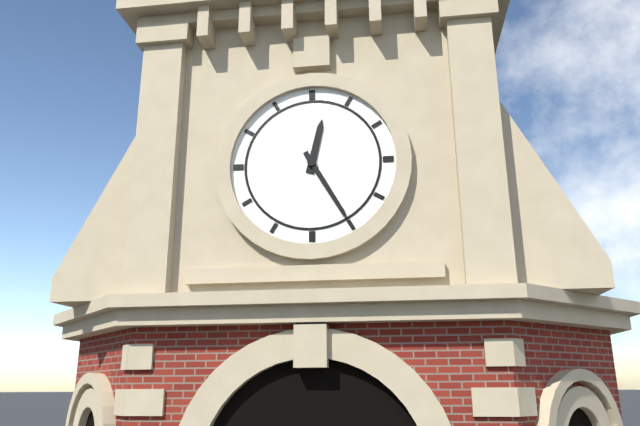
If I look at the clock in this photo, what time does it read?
12:25
